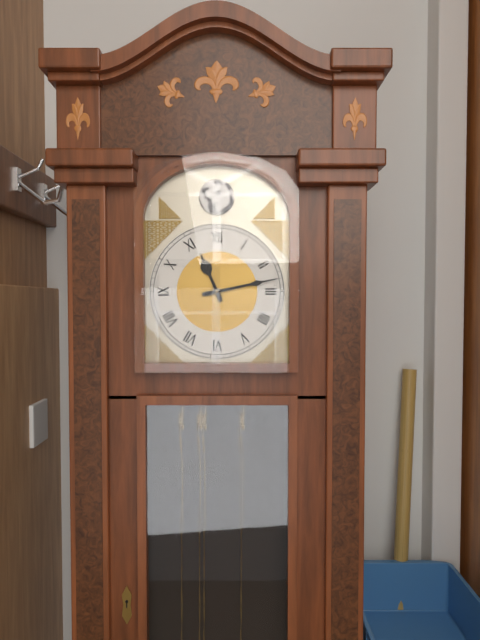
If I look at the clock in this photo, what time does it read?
11:13
